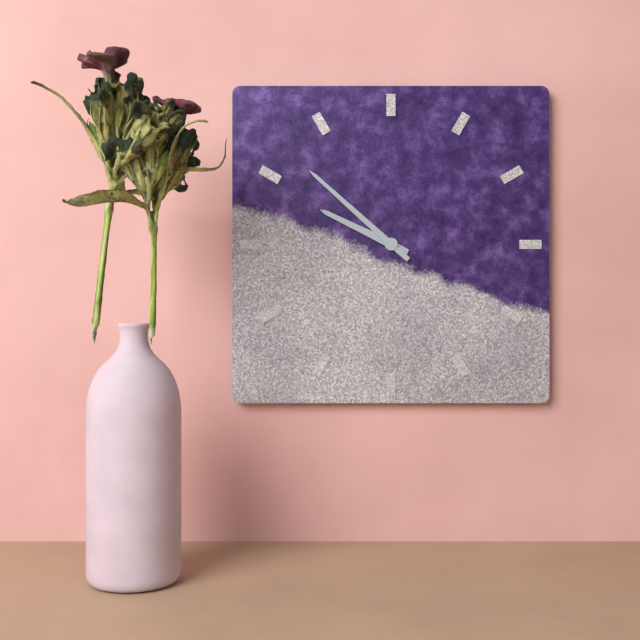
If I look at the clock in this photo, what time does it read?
9:52
